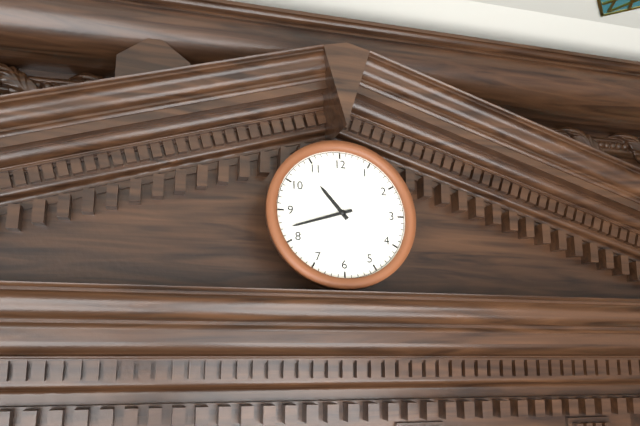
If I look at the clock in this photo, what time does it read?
10:42
